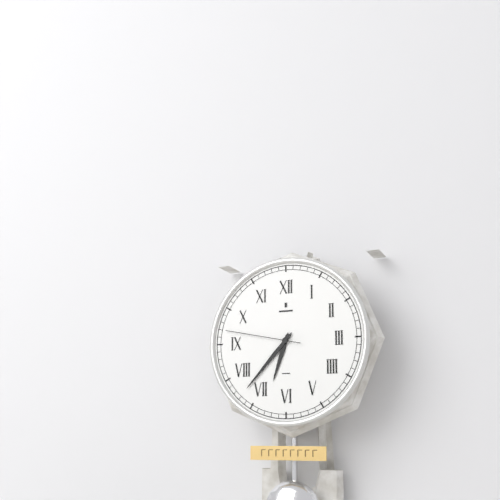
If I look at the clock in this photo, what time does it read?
6:37:47
